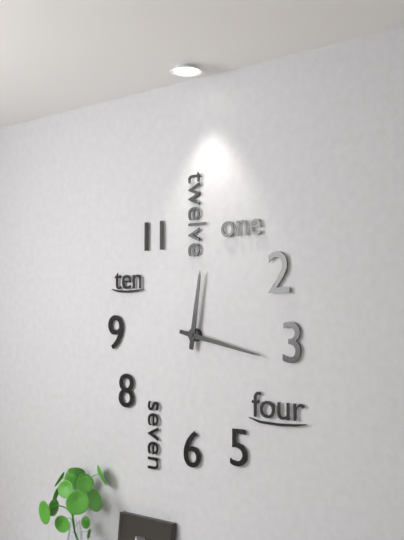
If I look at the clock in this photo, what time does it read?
12:17
